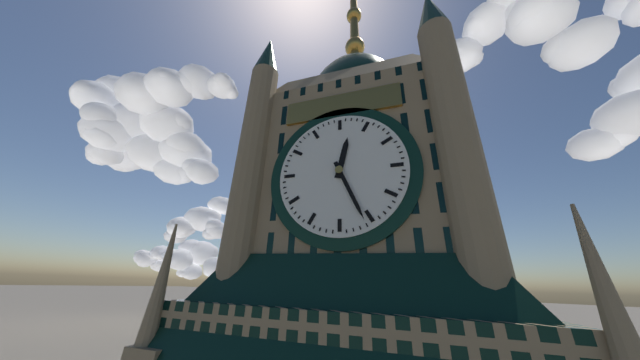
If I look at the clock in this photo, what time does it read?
12:26
